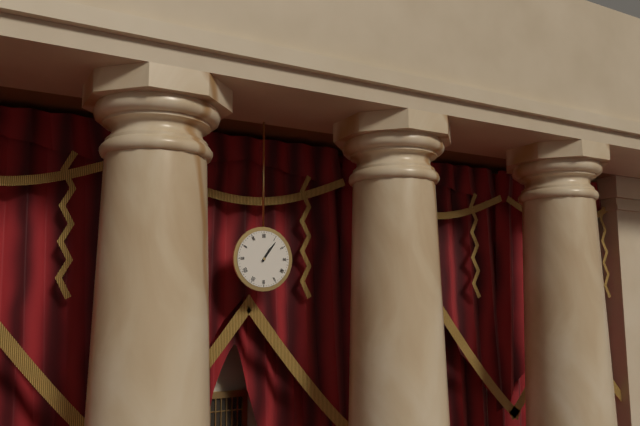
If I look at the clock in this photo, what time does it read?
1:06
